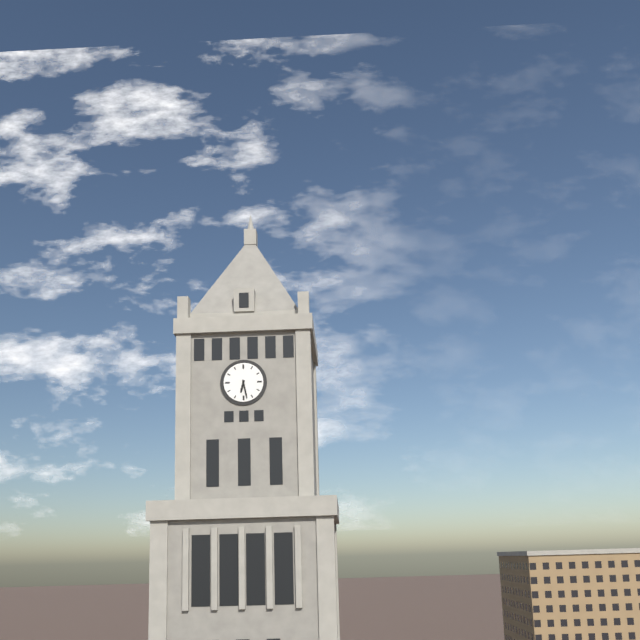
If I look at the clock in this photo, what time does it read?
6:28
